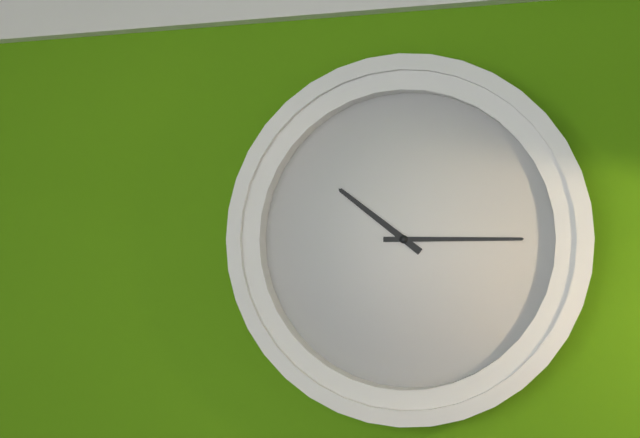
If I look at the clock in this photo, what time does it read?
10:15
